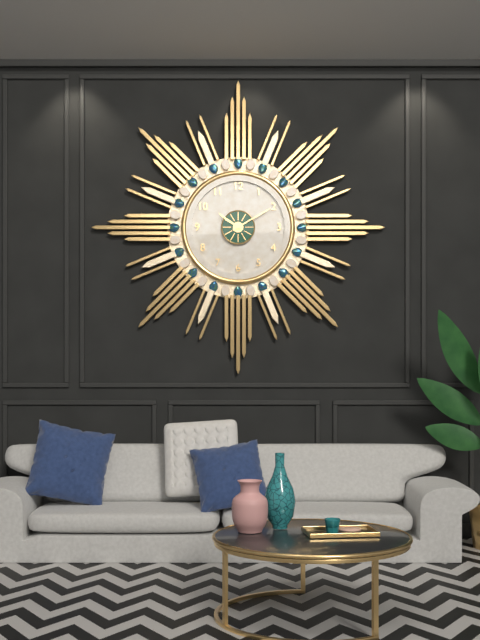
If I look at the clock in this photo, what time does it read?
10:10
